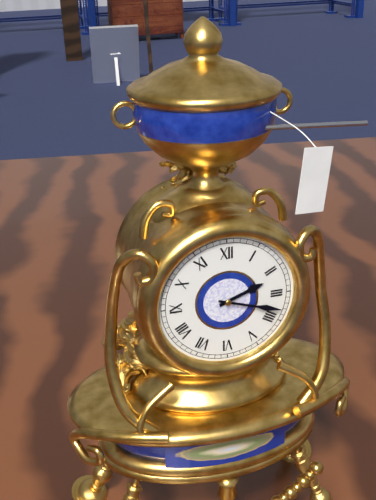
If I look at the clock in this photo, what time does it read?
2:18
